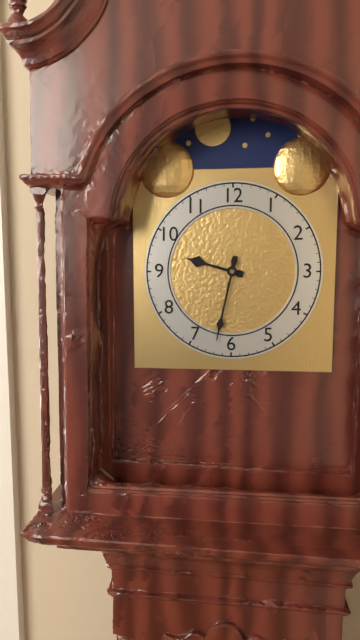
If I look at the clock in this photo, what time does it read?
9:32
